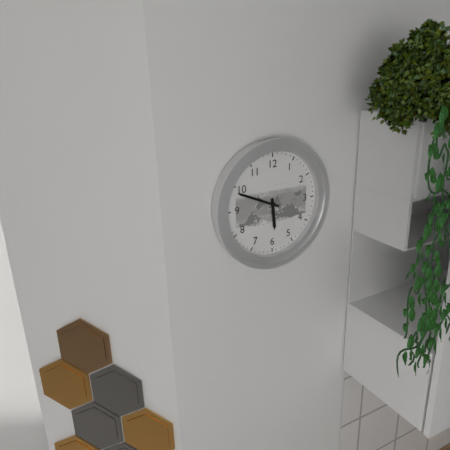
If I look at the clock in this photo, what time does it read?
5:49
